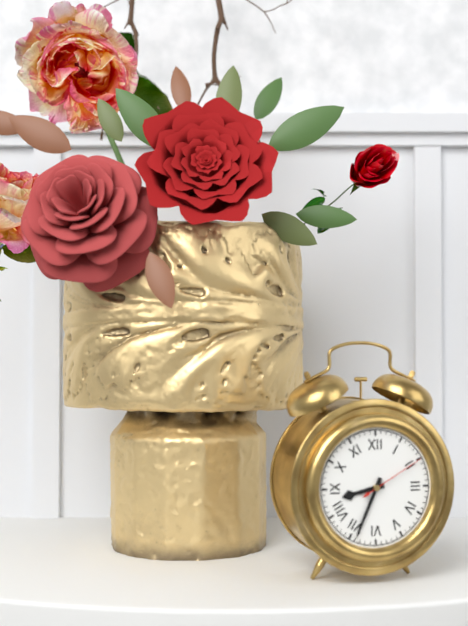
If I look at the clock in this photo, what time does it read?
8:34:10
